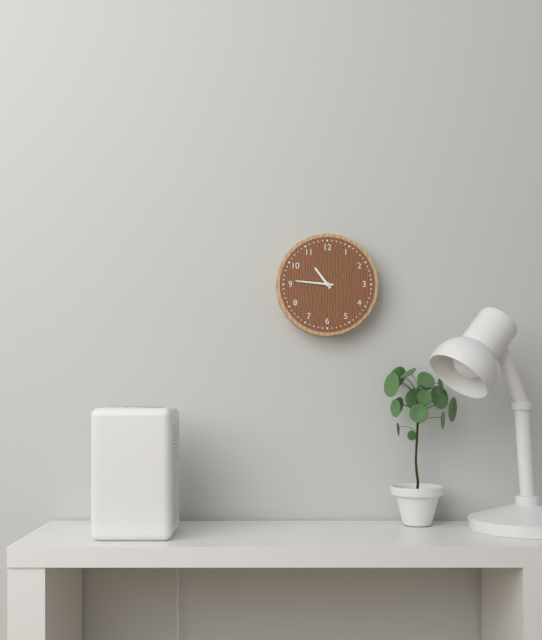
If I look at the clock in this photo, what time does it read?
10:46
